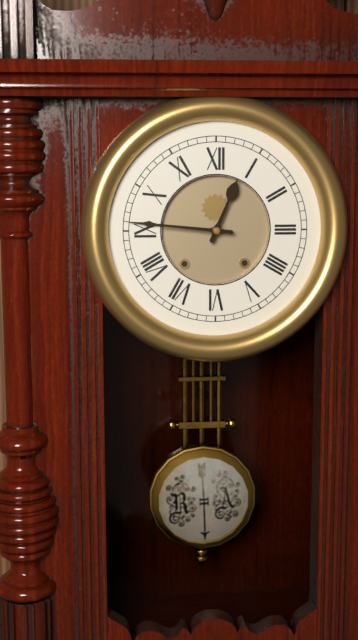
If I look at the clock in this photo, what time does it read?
12:46
